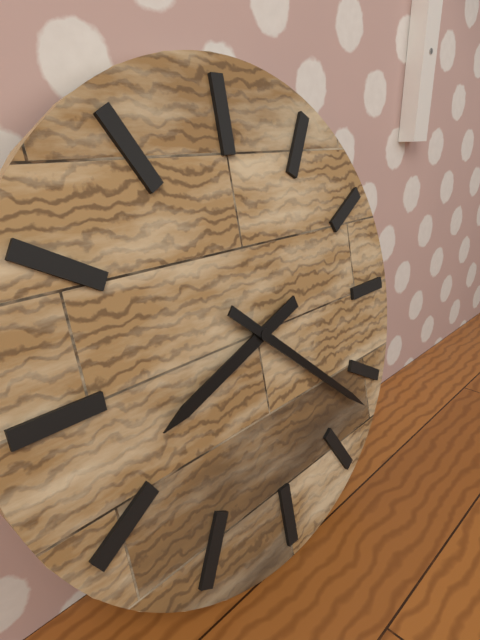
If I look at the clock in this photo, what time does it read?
8:22
